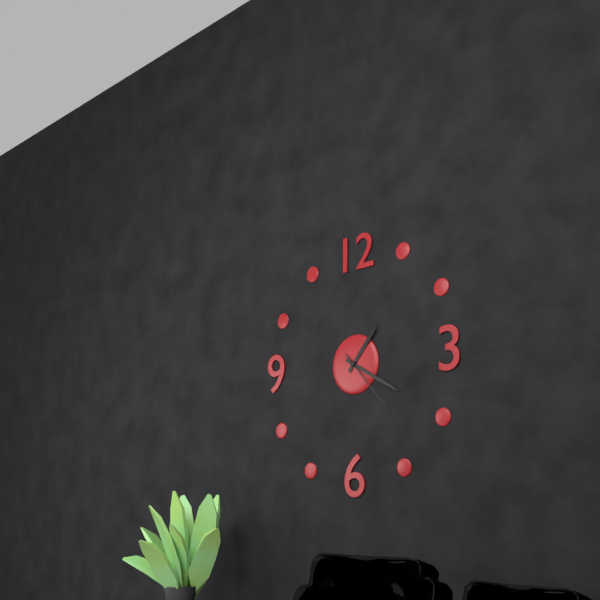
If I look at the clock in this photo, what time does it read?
1:20:23
